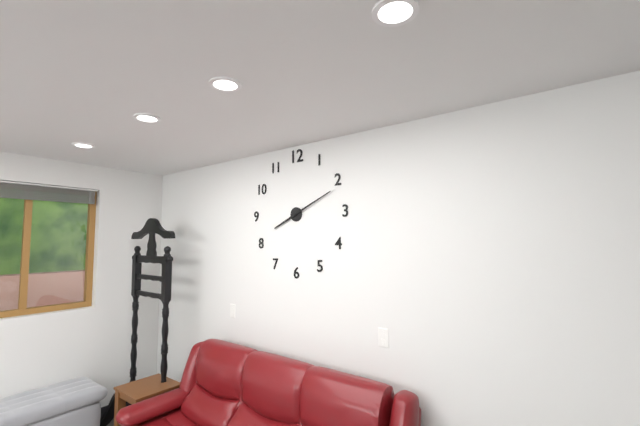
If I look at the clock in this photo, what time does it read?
8:11
